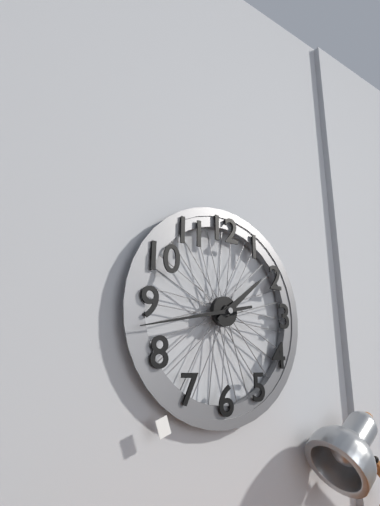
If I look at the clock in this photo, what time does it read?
1:43
